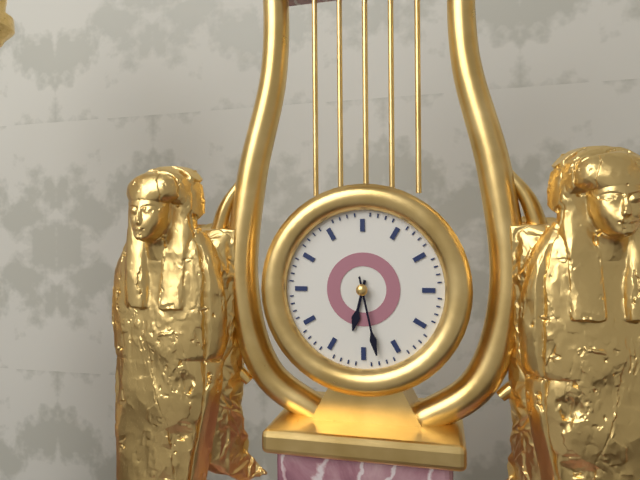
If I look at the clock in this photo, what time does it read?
6:28
